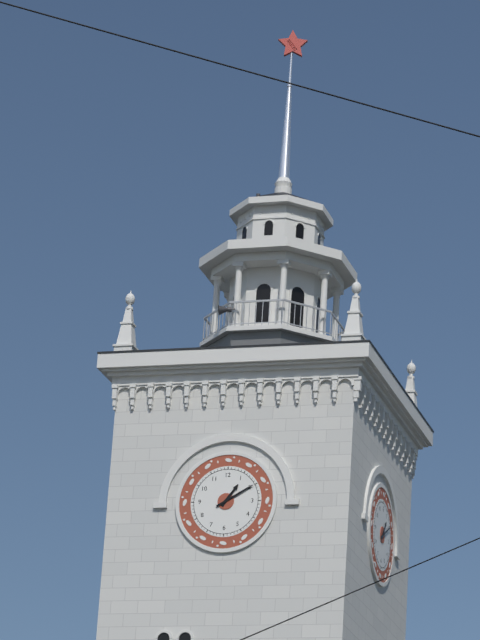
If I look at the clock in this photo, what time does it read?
1:10
